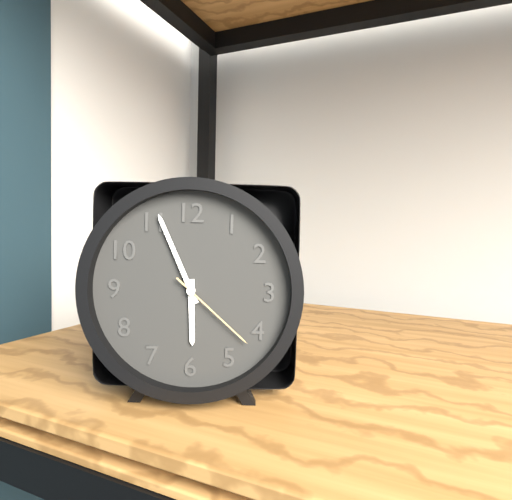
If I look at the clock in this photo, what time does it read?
5:56:22
